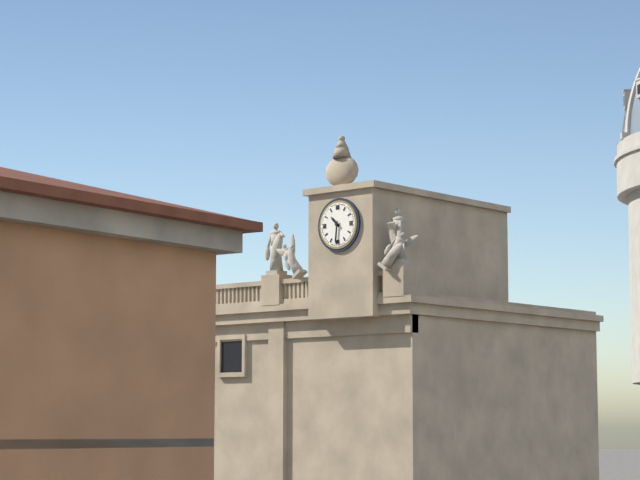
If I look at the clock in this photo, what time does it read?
10:31
